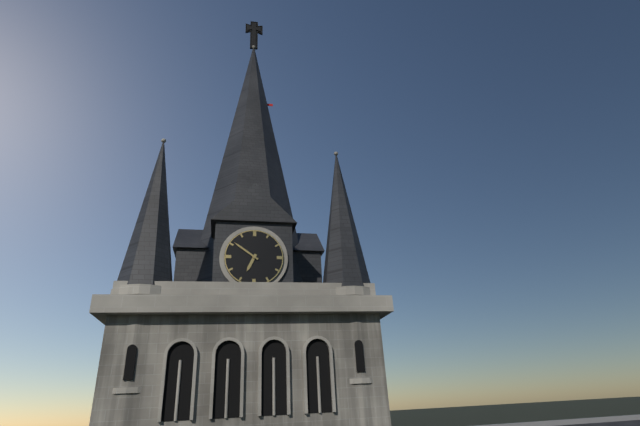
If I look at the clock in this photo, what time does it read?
6:51
